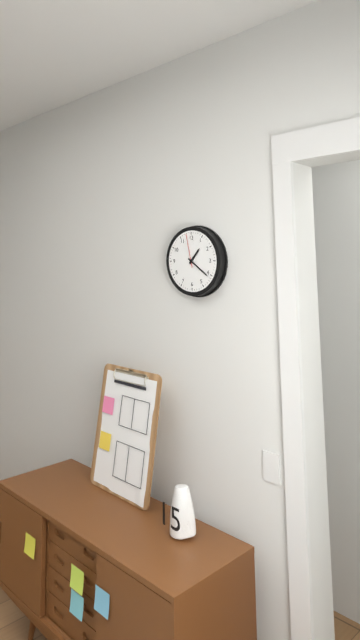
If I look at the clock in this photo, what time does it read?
1:21
